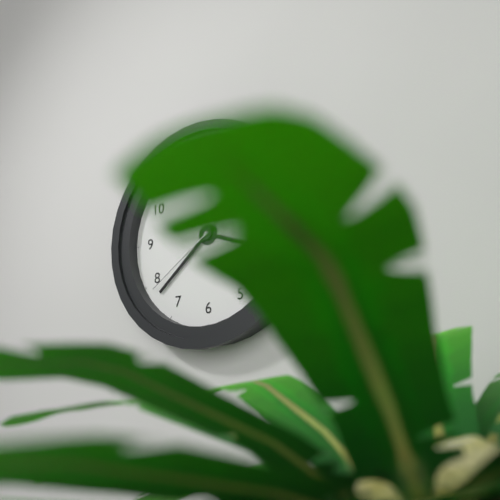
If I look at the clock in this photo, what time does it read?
3:38:39
